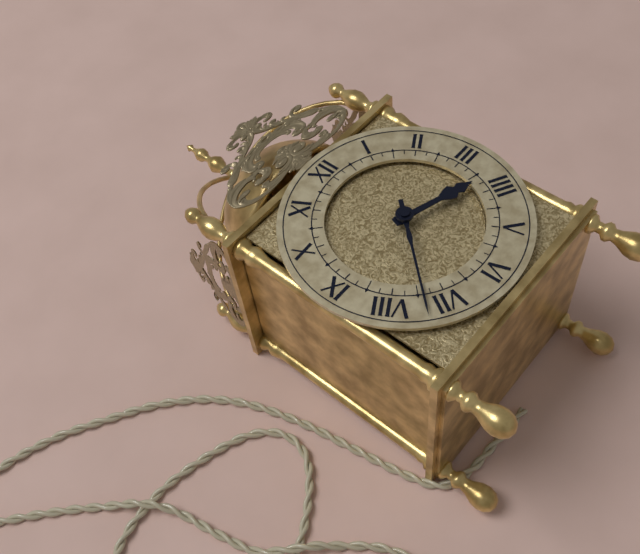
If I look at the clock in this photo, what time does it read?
3:37
